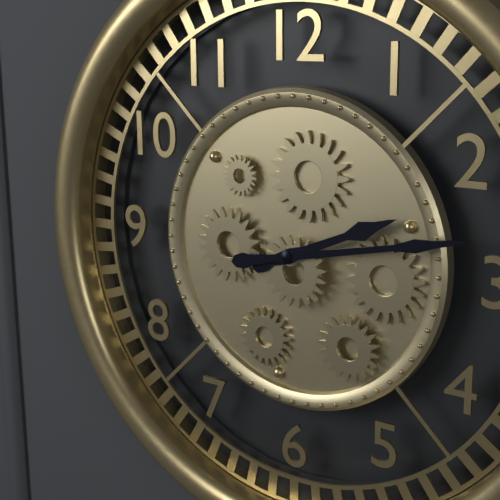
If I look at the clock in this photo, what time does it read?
2:13
